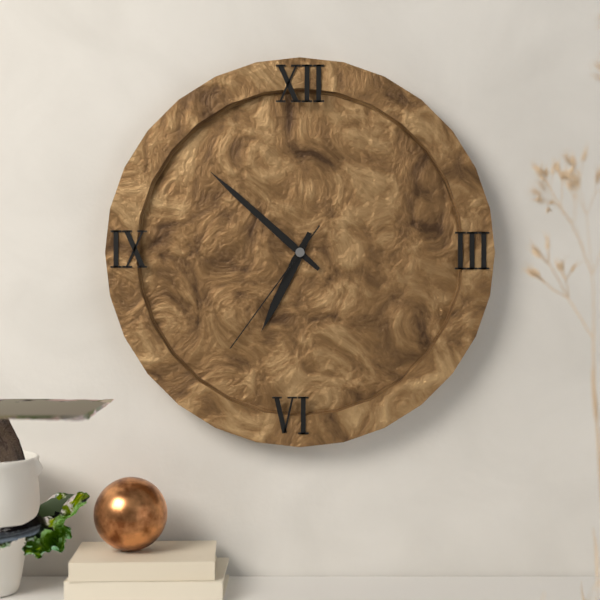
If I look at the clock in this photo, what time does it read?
6:52:36
